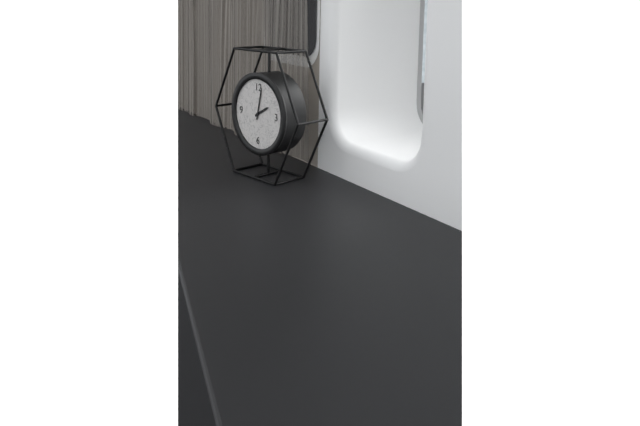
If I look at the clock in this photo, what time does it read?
2:02
